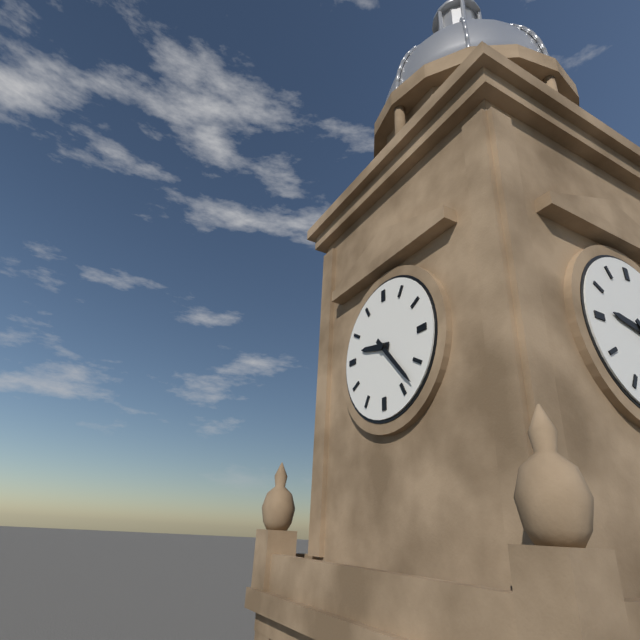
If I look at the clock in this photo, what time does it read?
9:23
